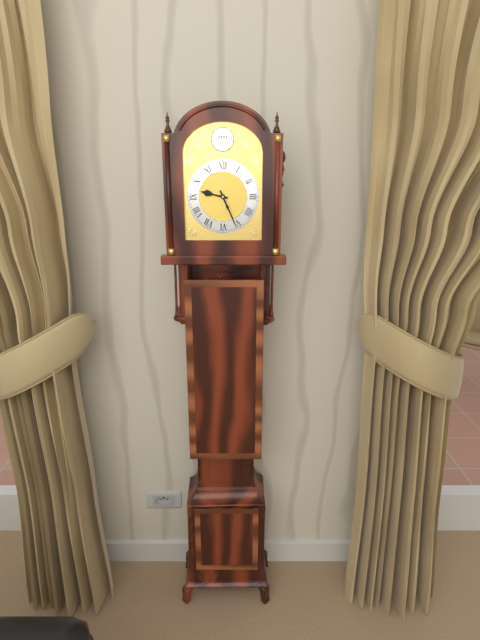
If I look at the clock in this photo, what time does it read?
9:26
